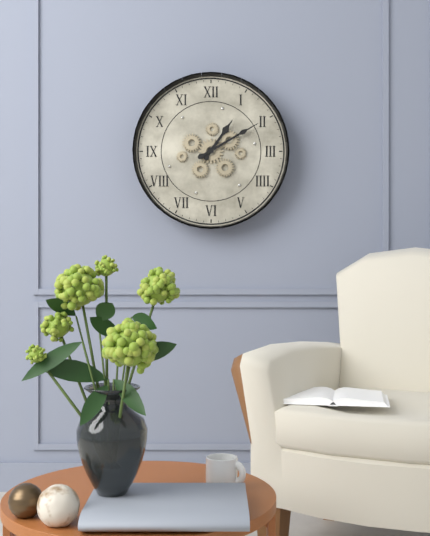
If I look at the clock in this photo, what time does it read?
1:10
